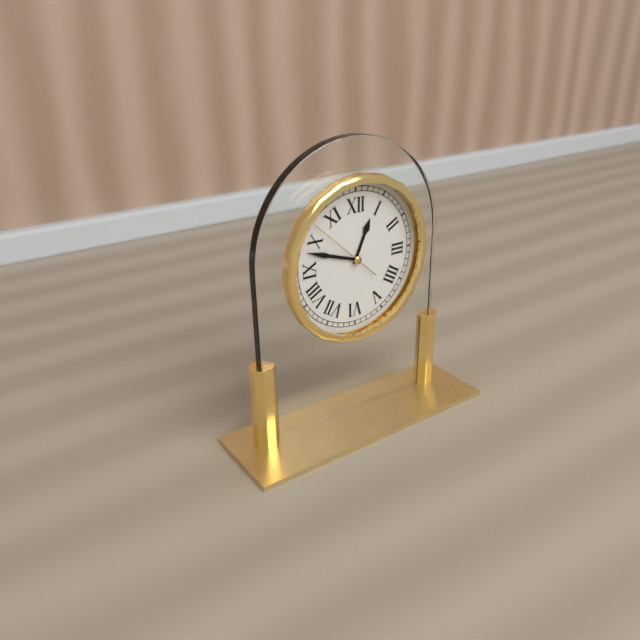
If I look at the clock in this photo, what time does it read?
12:48:52
